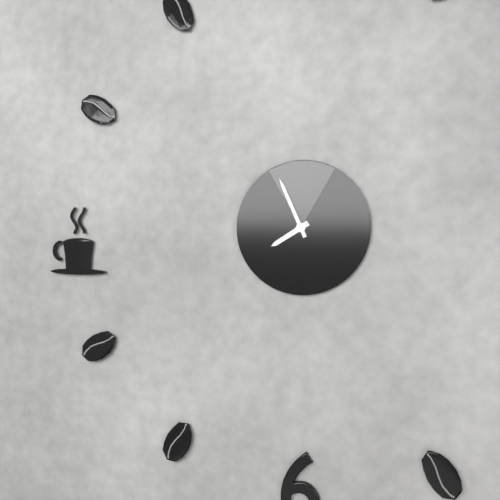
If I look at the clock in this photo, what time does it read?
7:56
